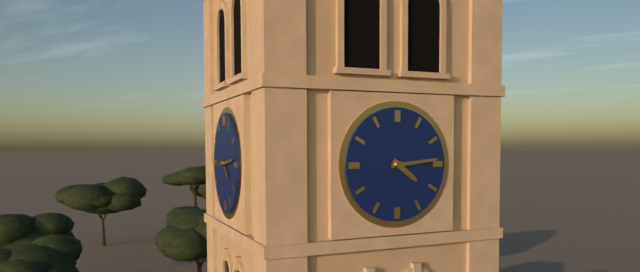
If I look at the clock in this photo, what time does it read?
4:14
